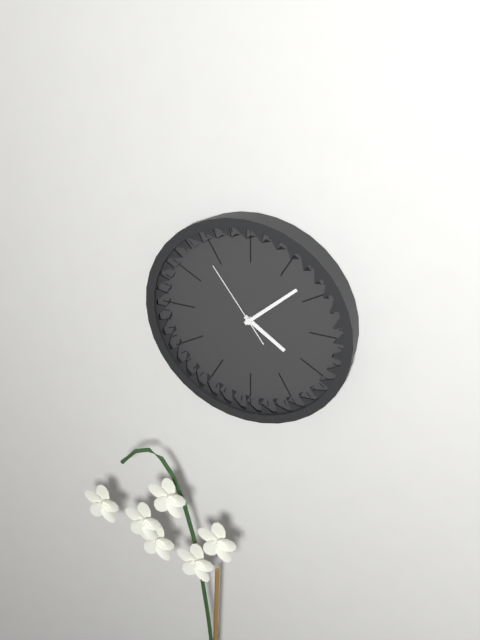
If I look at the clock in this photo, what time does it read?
4:08:54
